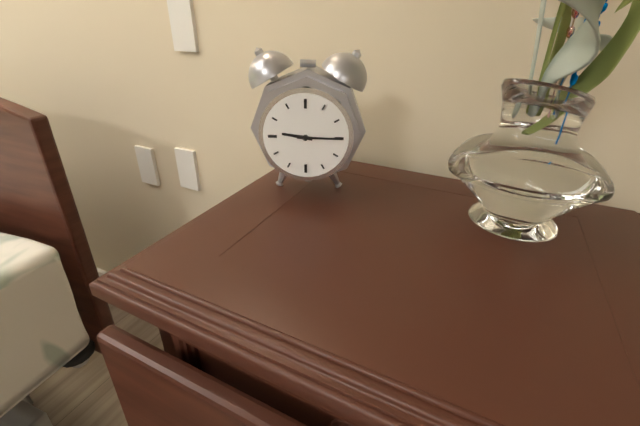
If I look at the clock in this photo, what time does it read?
9:15
